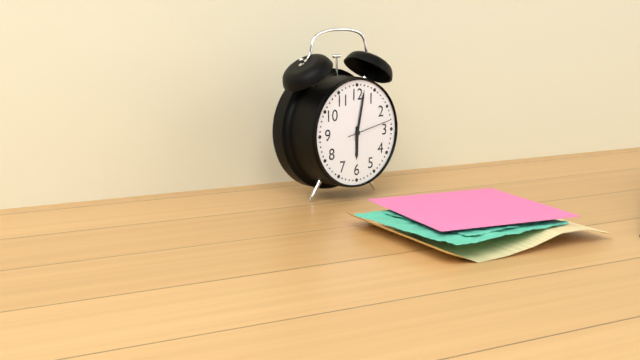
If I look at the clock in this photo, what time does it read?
6:02:13
